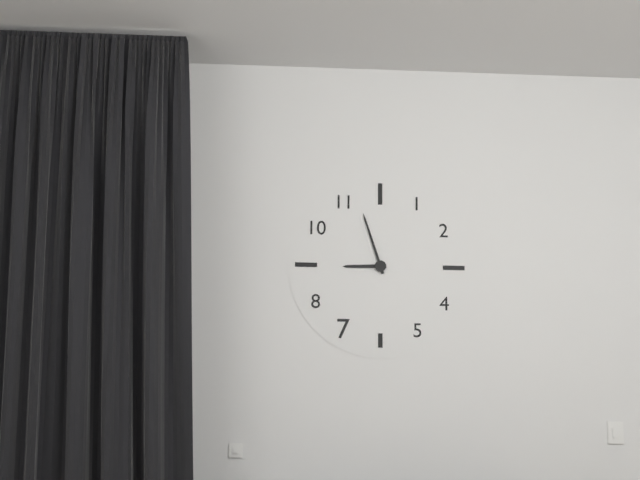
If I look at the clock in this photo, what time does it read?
8:57
